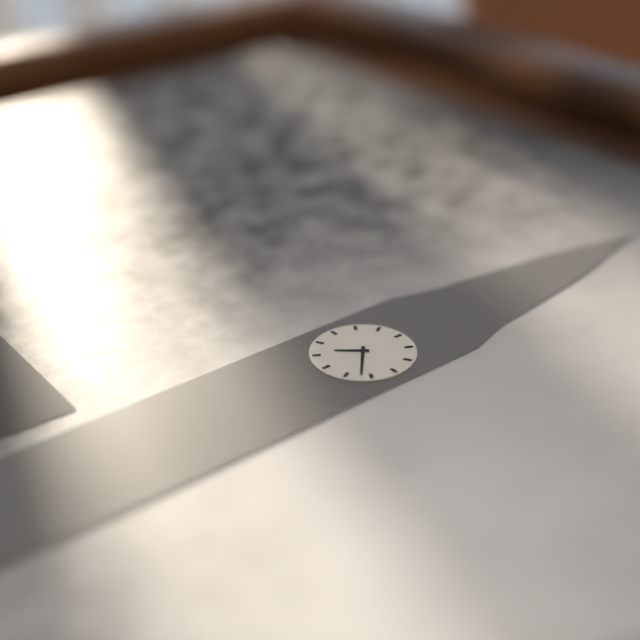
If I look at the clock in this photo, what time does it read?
7:22
